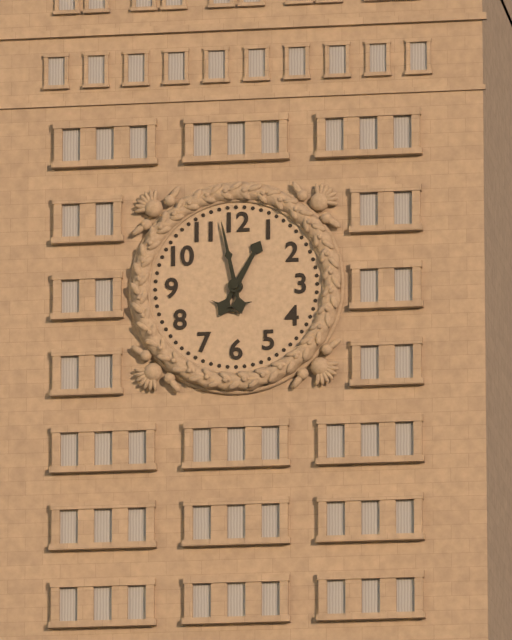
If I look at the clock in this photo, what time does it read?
12:58
